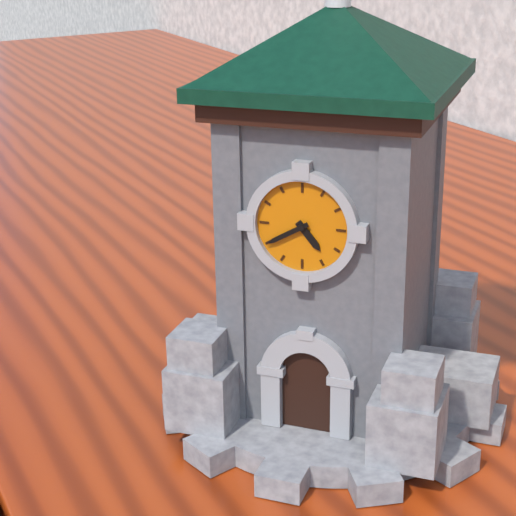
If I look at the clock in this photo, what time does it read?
4:40
